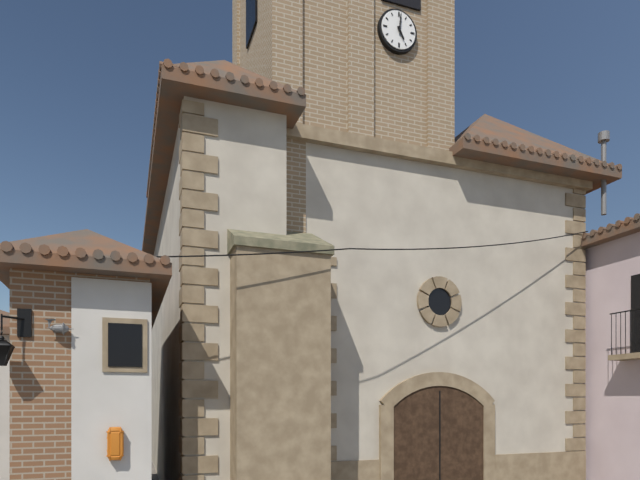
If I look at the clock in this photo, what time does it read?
5:01
